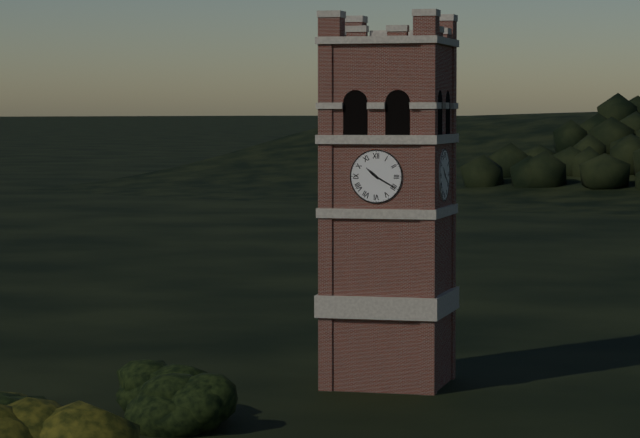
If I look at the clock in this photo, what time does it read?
10:20
